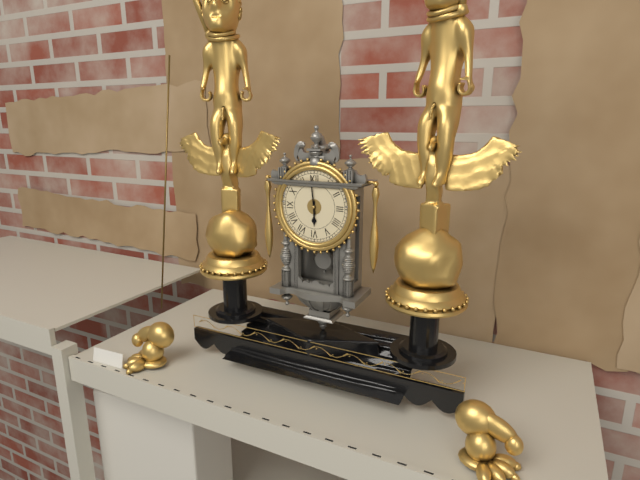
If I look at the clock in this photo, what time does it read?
5:59
